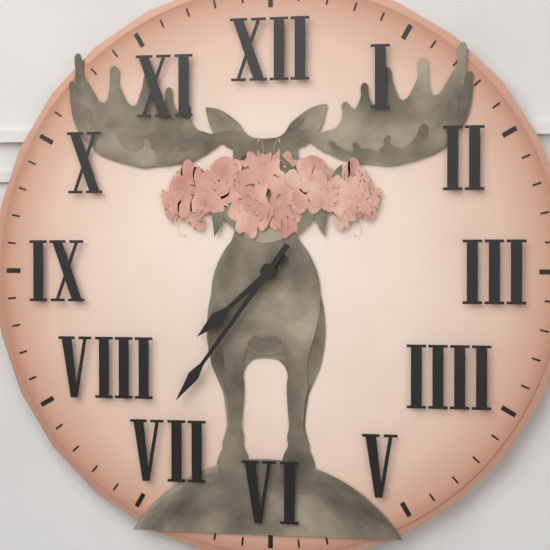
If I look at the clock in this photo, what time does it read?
7:36
